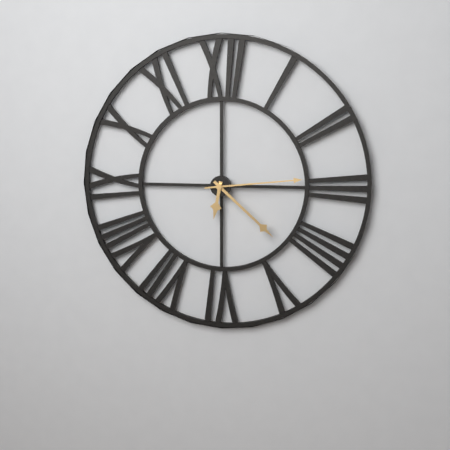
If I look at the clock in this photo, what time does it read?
6:22:14
